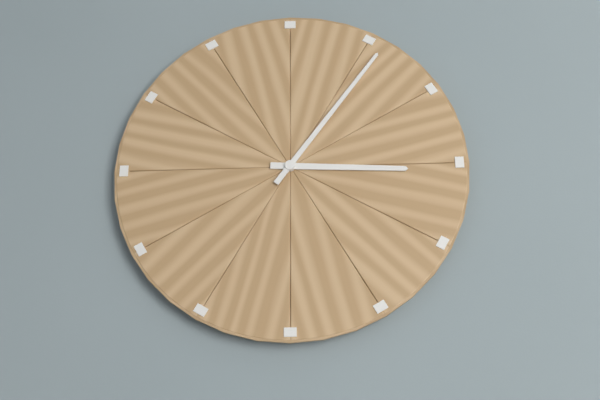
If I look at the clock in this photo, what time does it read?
3:06
